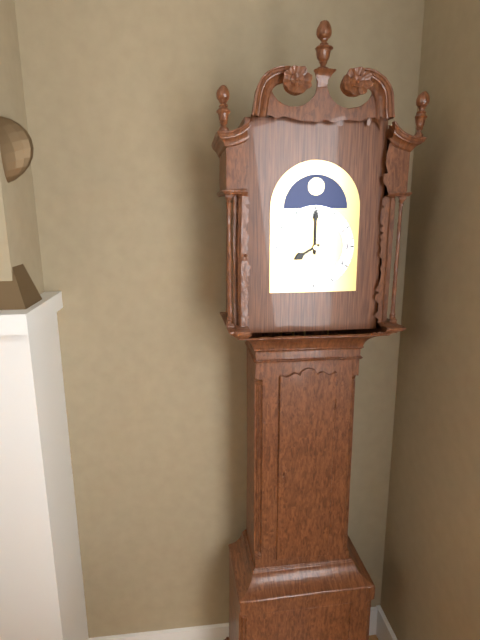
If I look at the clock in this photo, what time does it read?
8:00
